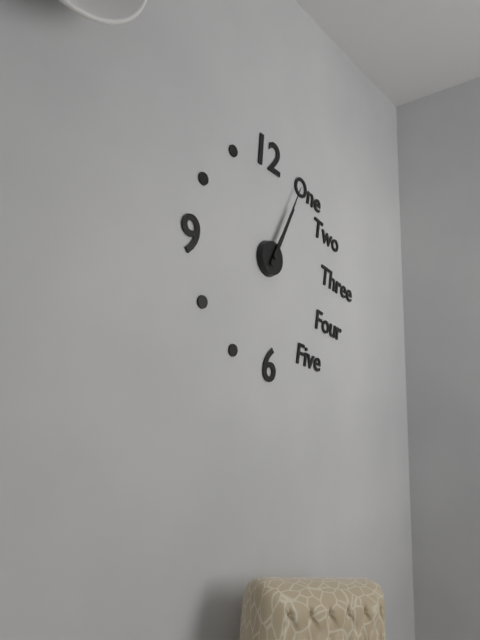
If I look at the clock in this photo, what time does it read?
1:05
